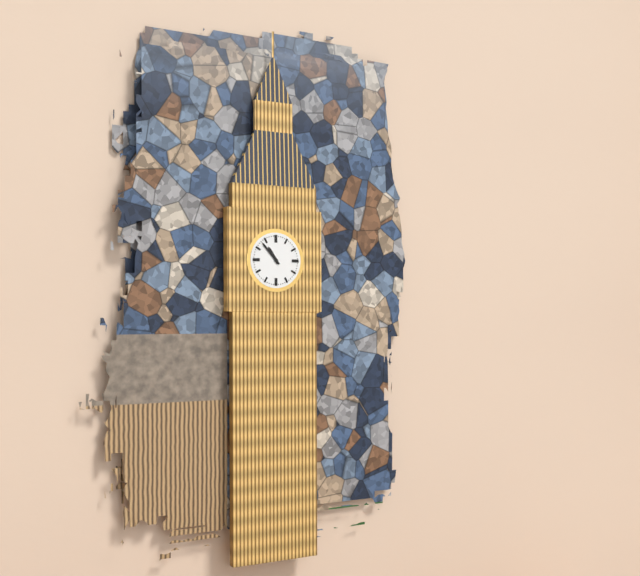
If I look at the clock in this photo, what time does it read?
10:53
